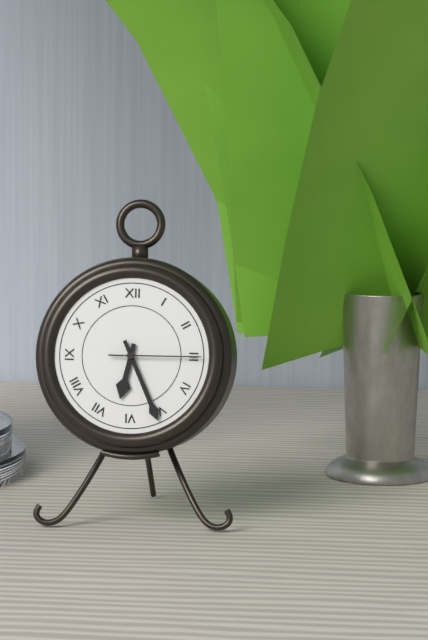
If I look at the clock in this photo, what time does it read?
6:26:15
